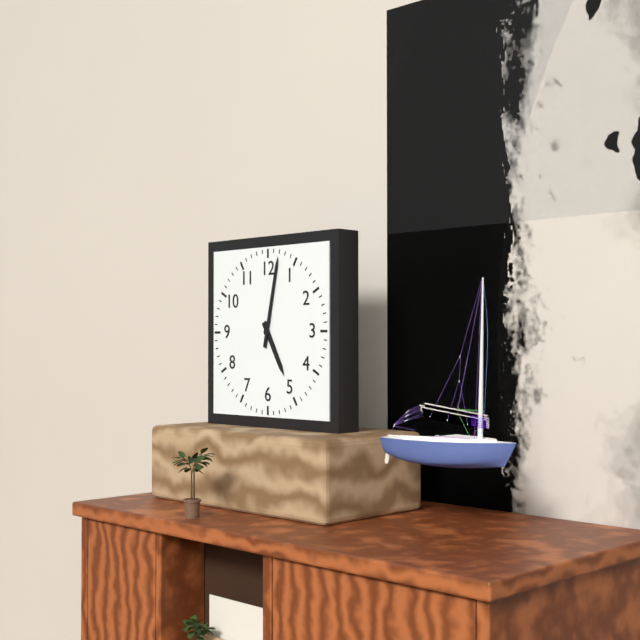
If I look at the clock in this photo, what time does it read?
5:02
